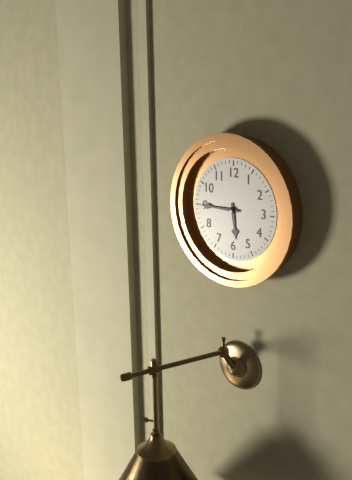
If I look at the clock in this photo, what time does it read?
5:45
